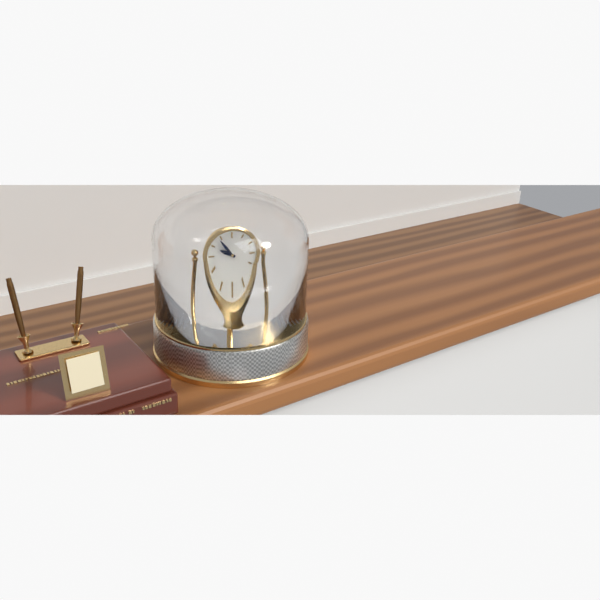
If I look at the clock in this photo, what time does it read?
9:54
